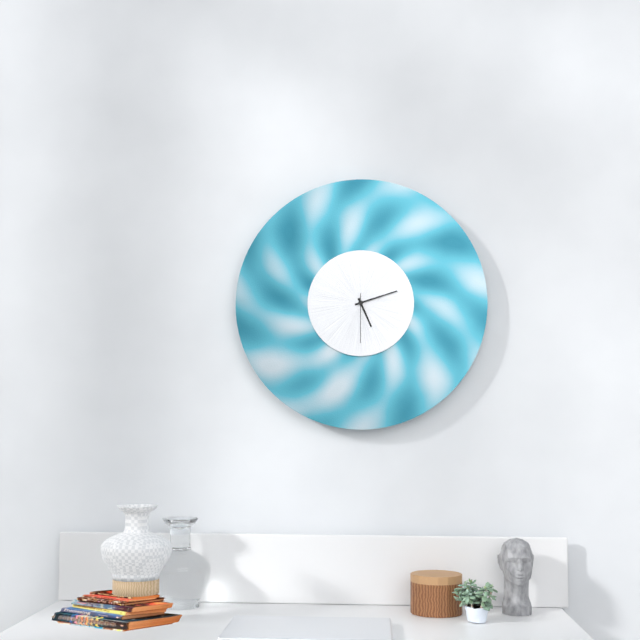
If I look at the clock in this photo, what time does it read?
5:12:30
